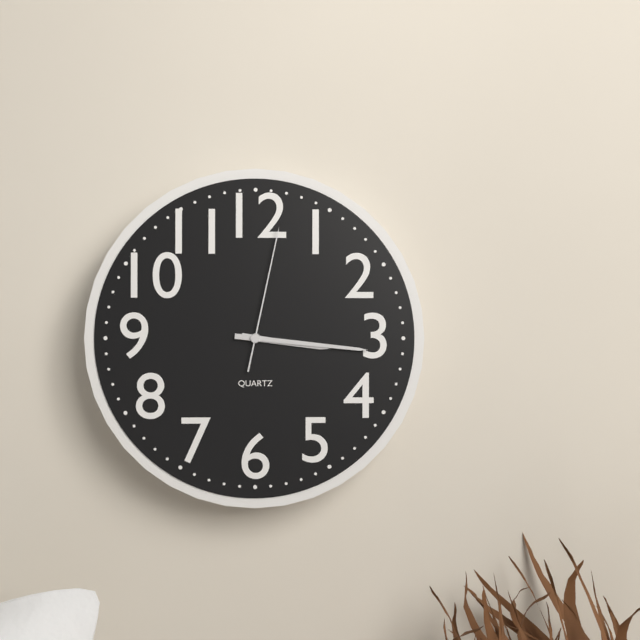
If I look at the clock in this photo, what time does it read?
3:16:02
